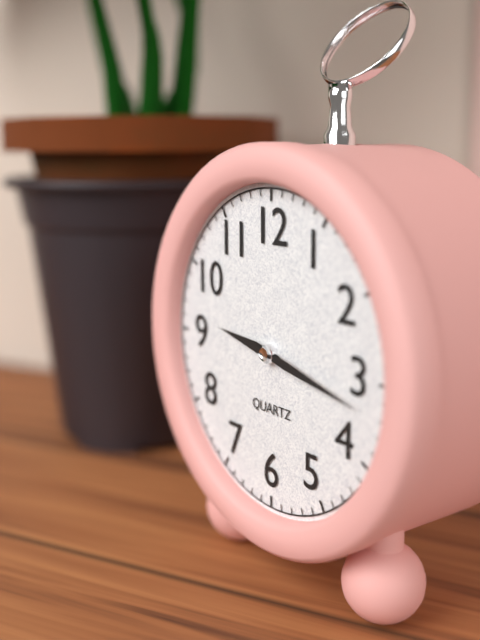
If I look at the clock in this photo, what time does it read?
9:17
